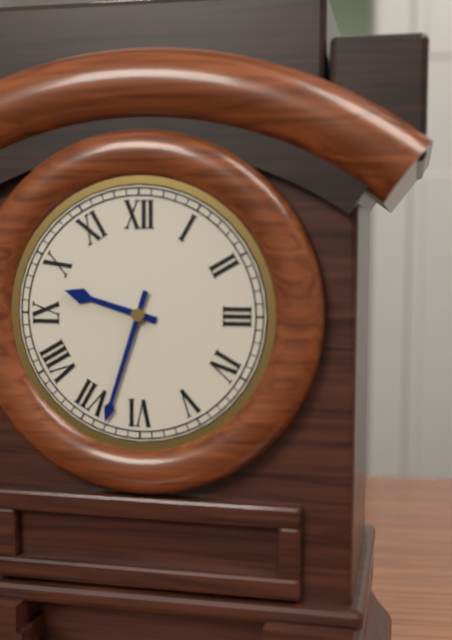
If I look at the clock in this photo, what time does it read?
9:33
